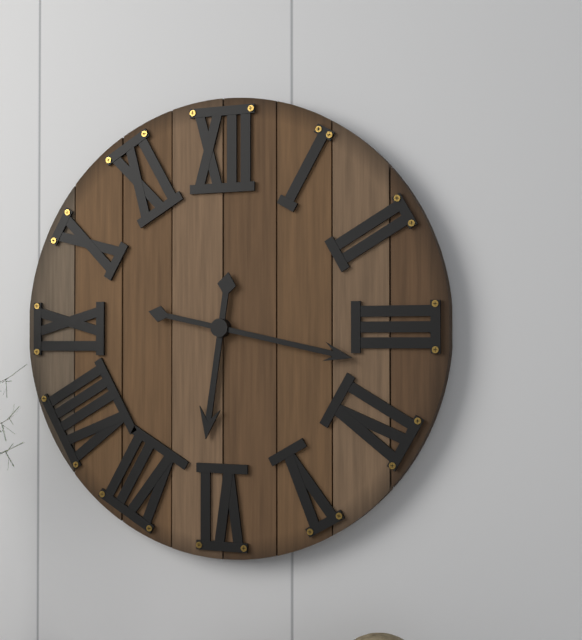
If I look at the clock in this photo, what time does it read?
6:17
